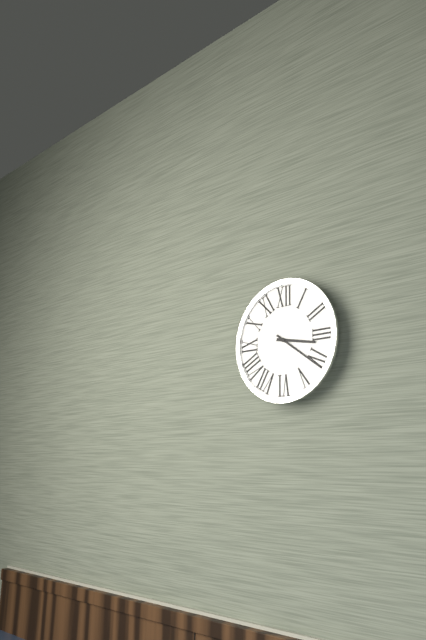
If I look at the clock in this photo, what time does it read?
3:21
